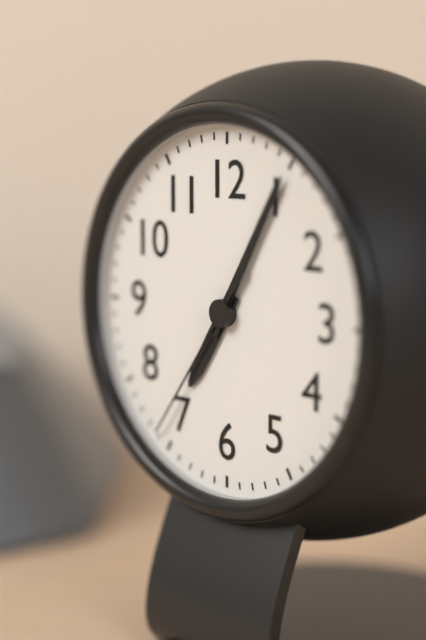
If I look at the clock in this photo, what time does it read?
7:05:36
